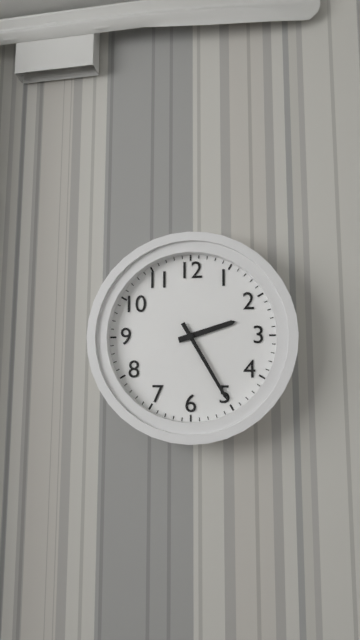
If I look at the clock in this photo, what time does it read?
2:25
